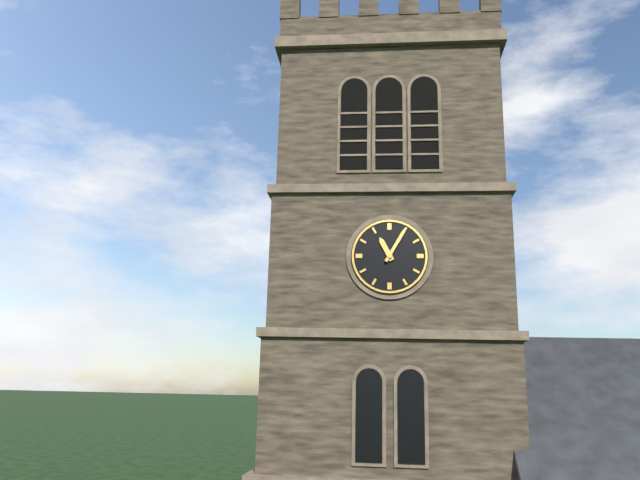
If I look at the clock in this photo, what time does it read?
11:05
